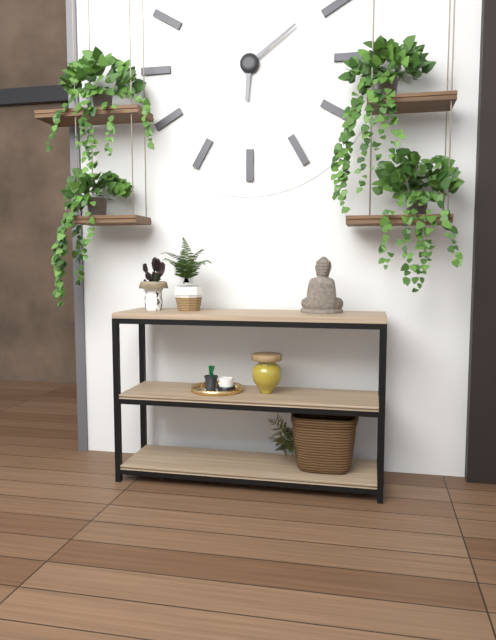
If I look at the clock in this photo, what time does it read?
6:09
